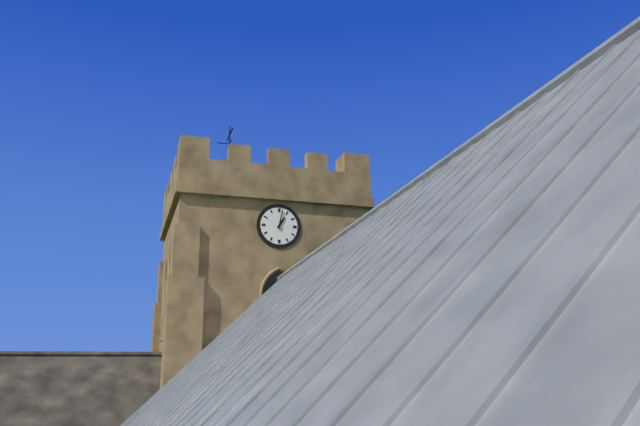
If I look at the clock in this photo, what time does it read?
1:02
